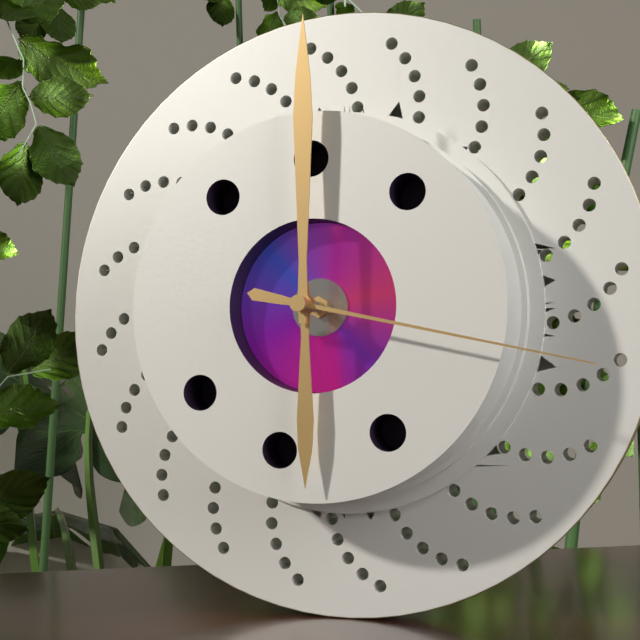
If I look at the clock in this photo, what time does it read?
6:00:17
